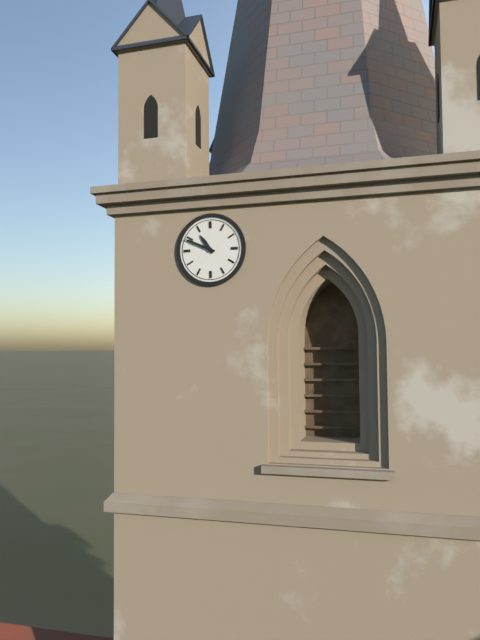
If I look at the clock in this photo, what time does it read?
10:49
